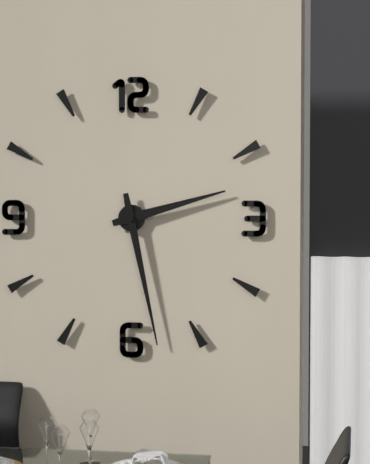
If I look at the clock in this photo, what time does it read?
2:28
